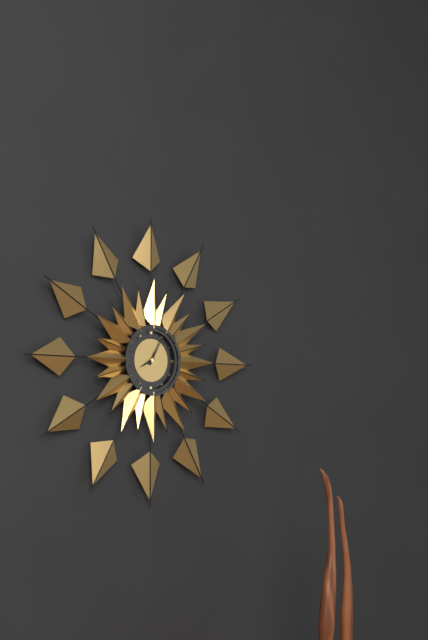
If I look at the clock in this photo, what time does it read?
8:05
